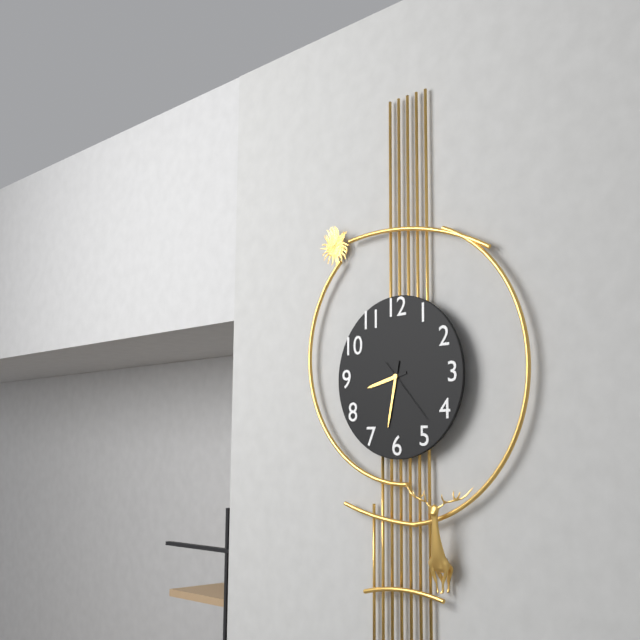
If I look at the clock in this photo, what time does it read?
8:32:23
